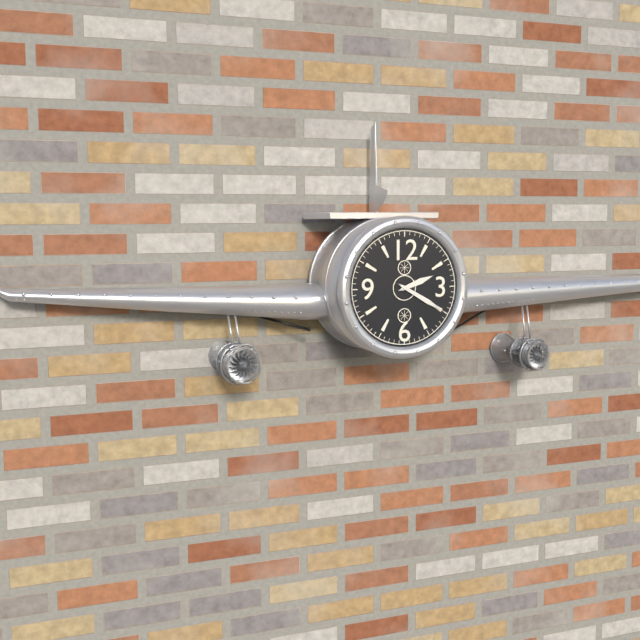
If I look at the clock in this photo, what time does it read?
2:20
